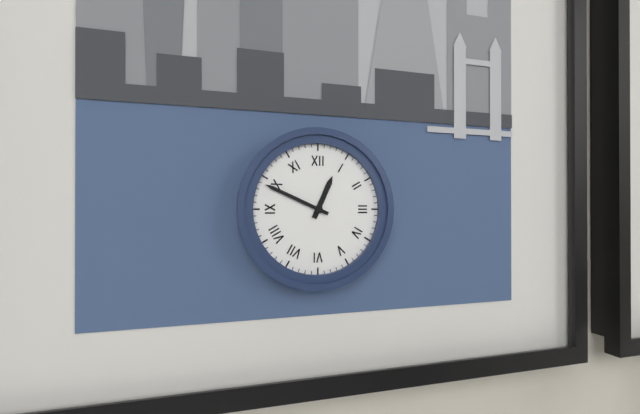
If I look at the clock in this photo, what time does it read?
12:49
